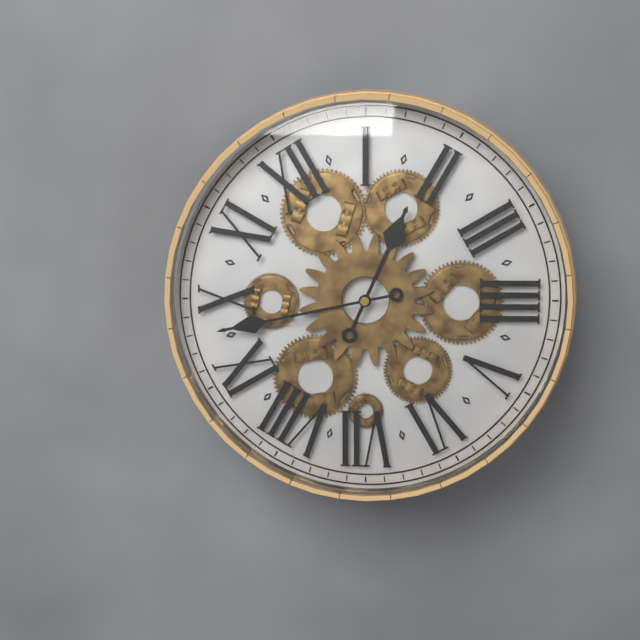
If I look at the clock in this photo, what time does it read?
1:48
